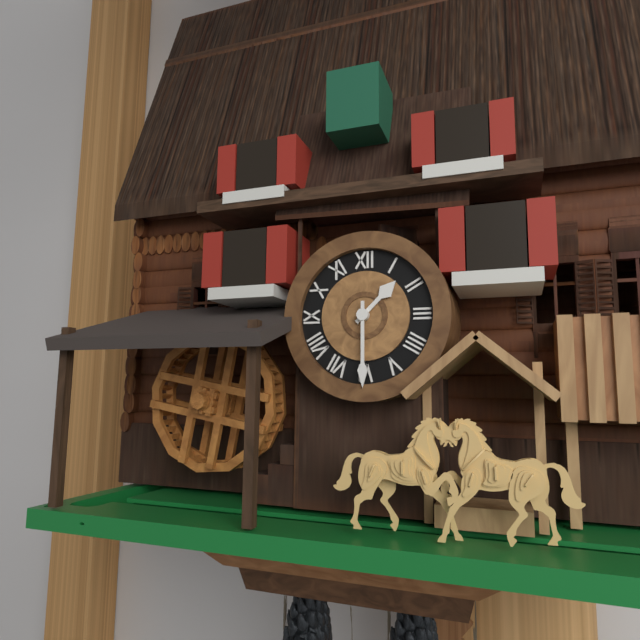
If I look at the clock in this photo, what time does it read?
1:30
